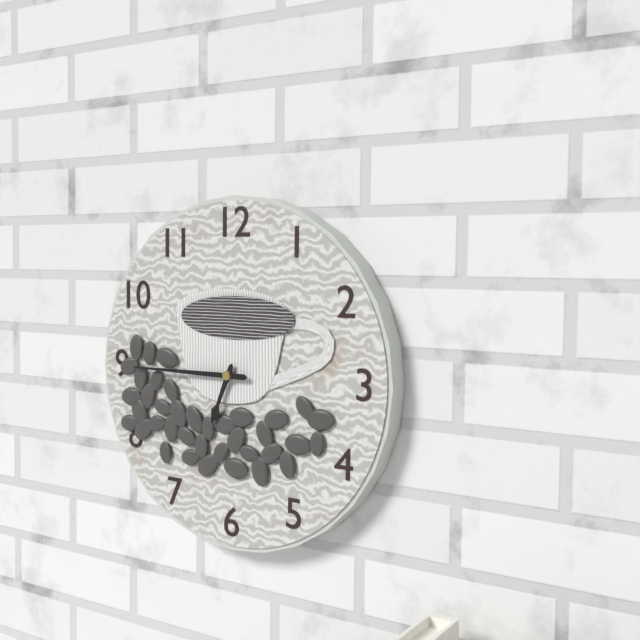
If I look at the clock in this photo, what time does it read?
6:45
